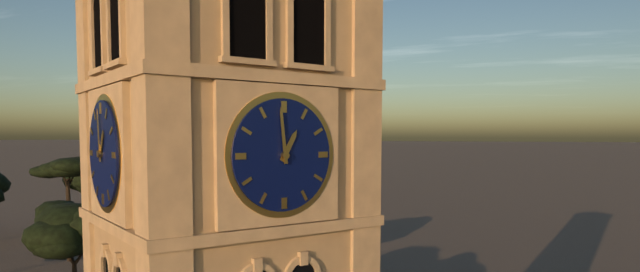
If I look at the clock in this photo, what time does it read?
12:59
